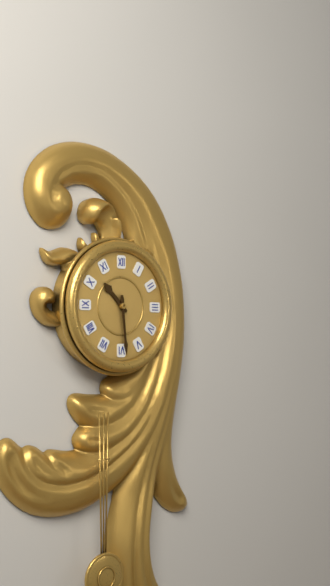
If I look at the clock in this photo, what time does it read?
10:29
